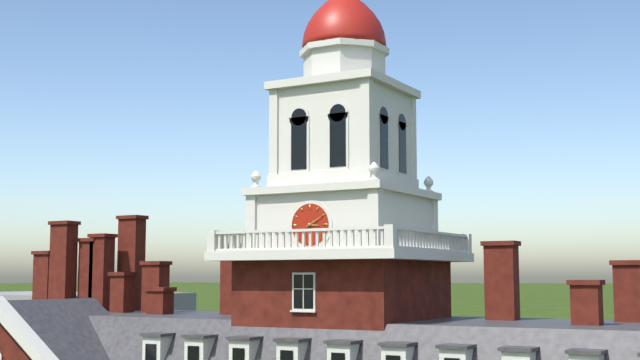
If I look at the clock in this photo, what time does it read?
3:10
